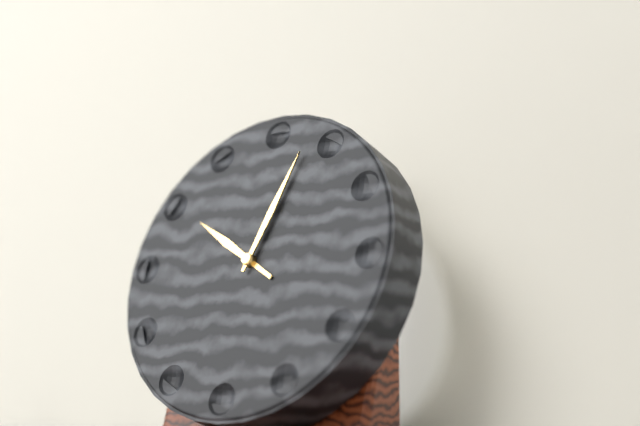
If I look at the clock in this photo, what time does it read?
10:03
